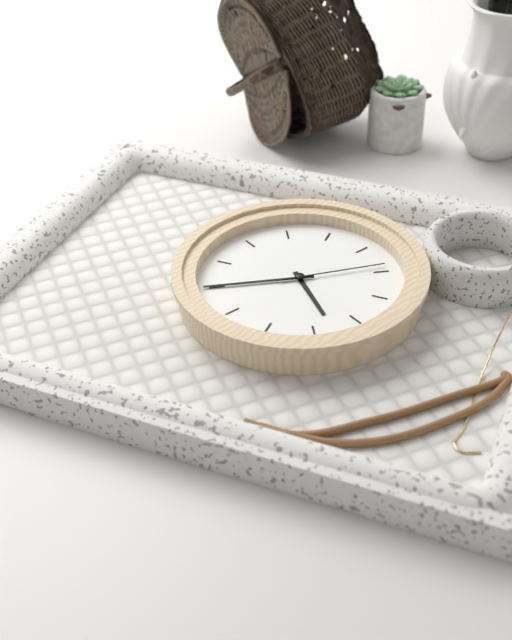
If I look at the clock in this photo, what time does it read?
3:35:04
